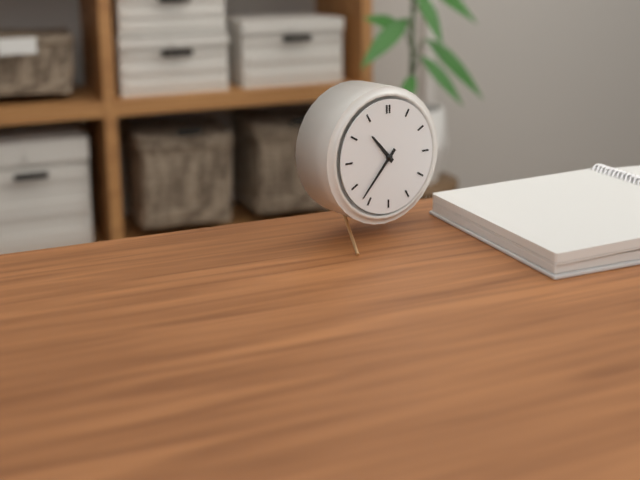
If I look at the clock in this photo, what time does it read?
10:37
